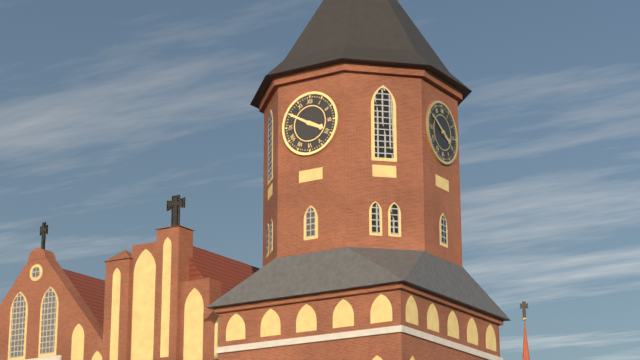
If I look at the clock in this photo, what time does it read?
3:50
